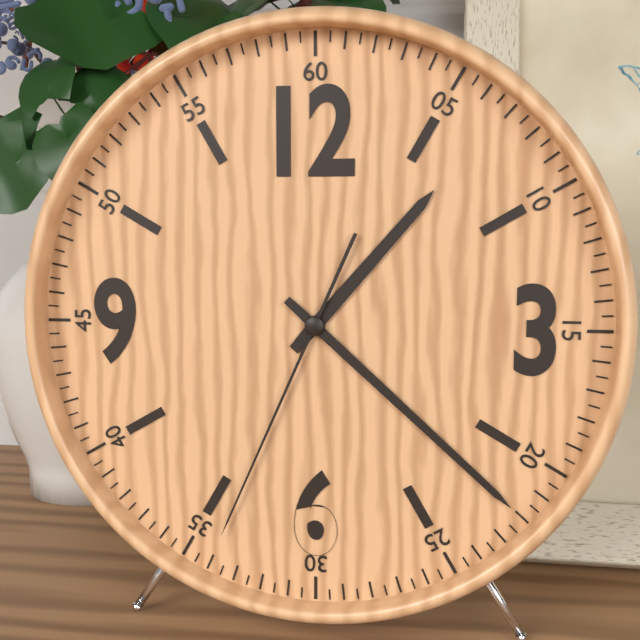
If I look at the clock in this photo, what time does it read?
1:22:34
